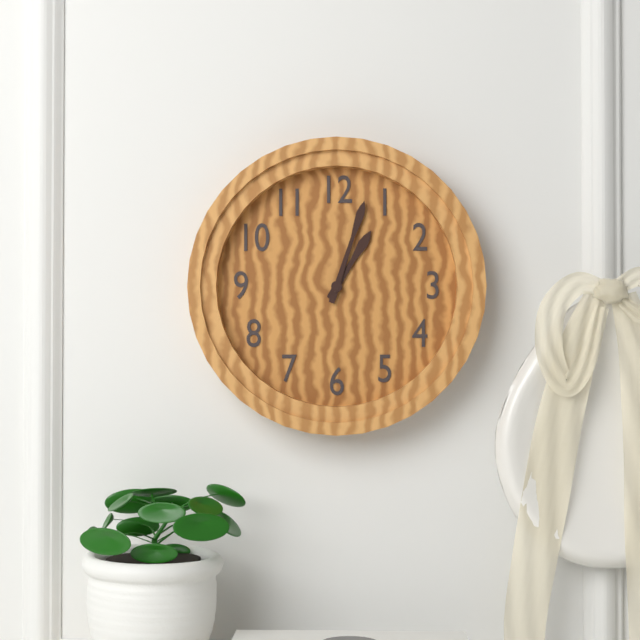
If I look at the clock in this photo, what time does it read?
1:03
